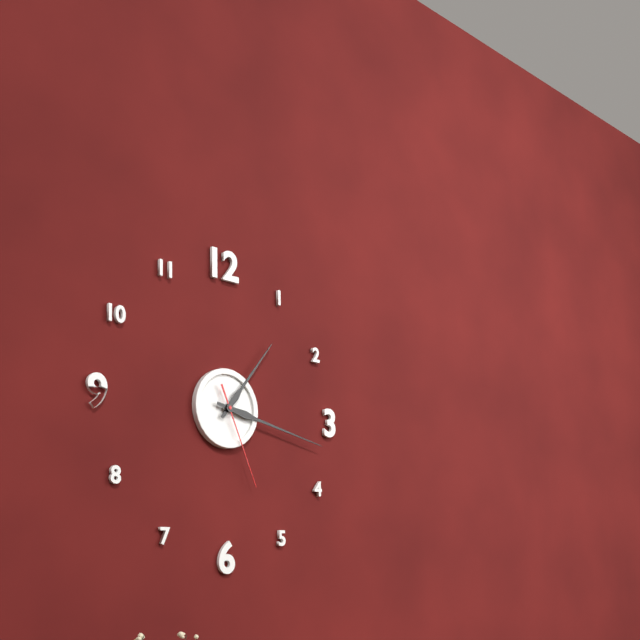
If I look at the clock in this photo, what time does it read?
1:17:26
